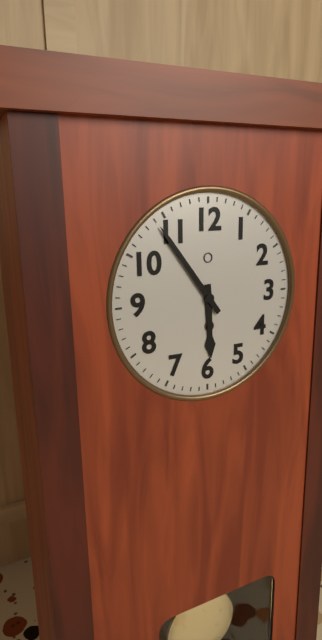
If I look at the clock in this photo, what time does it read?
5:54
